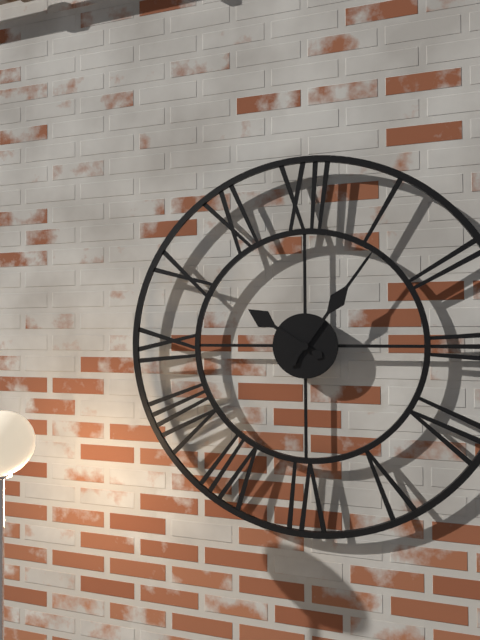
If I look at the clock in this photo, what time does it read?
10:06
